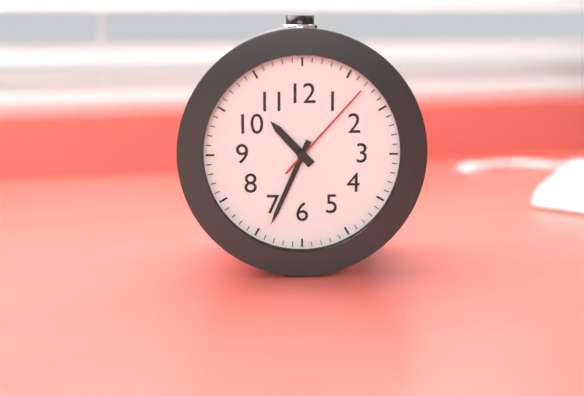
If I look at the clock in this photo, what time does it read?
10:34:07
